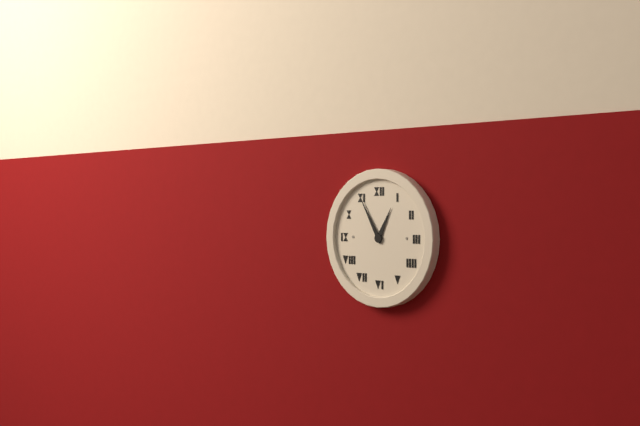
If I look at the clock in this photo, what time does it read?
12:55
